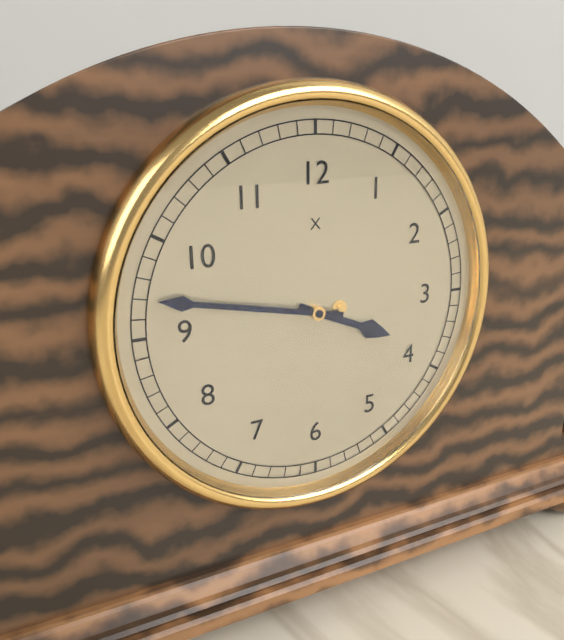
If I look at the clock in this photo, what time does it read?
3:47
